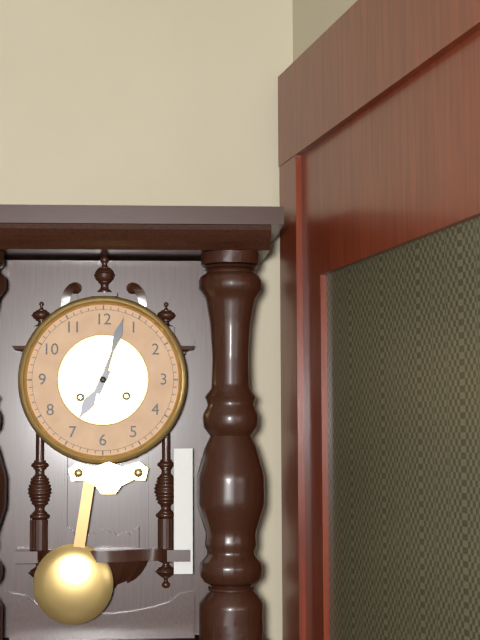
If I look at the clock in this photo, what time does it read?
7:03
